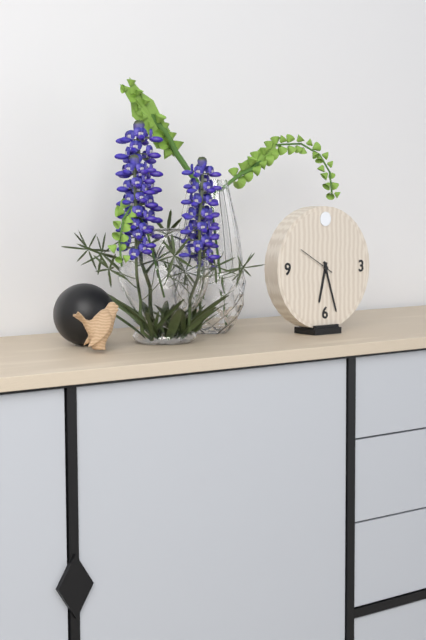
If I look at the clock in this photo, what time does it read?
6:27
